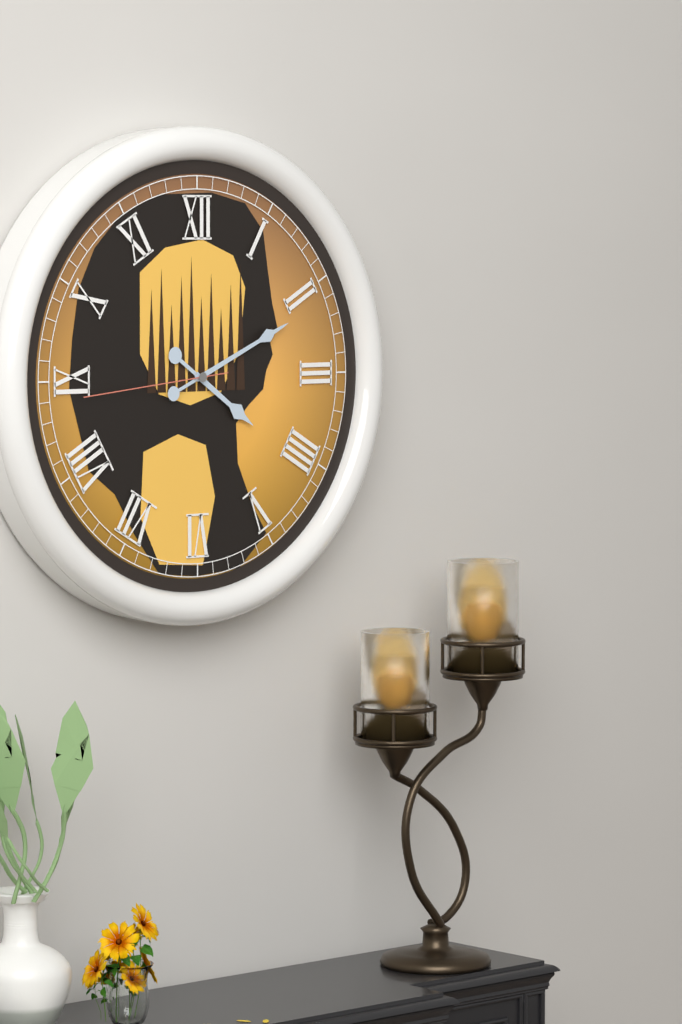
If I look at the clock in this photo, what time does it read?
4:11:44
